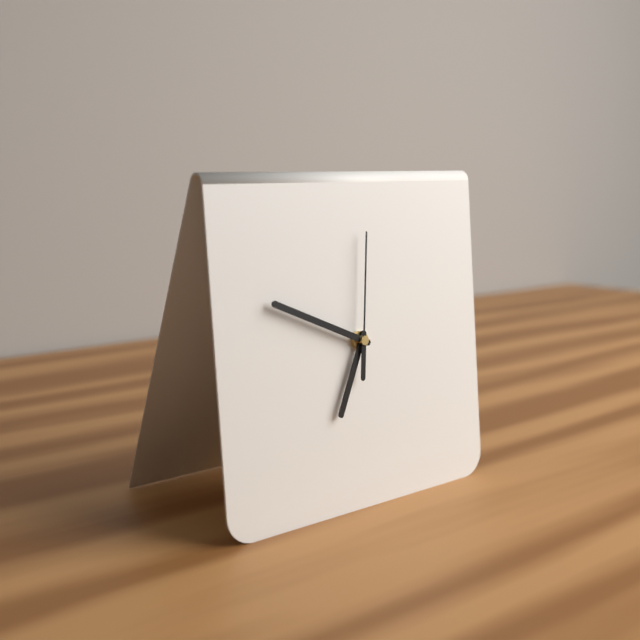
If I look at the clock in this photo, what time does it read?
6:49:01
